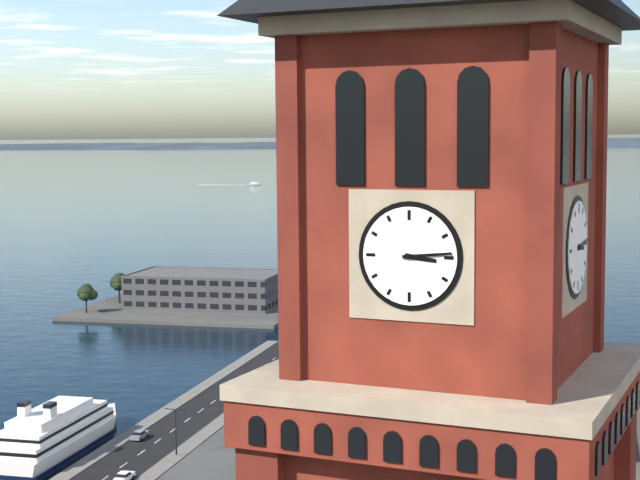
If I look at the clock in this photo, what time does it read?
3:14
